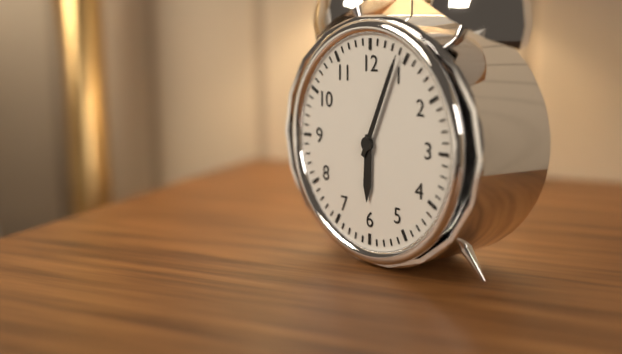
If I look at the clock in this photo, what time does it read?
6:04
